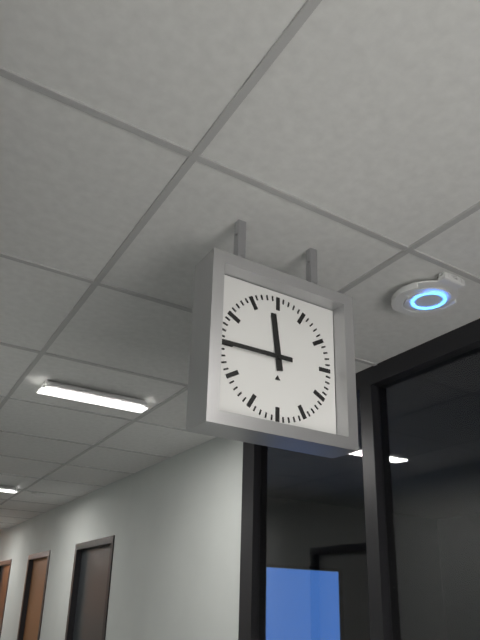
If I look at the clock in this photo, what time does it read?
11:45
